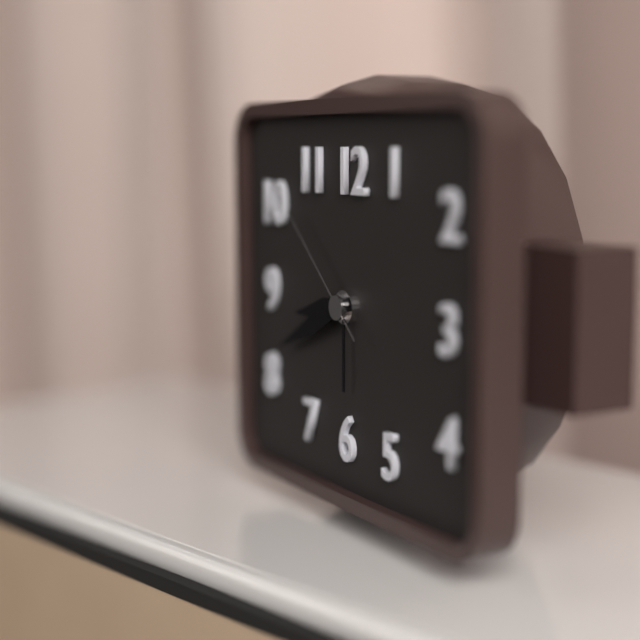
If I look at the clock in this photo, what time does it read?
8:41:52
